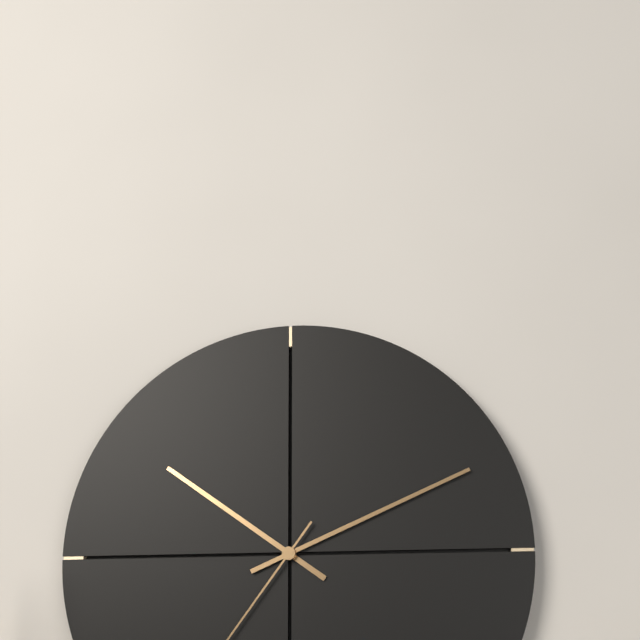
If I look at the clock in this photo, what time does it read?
10:11
